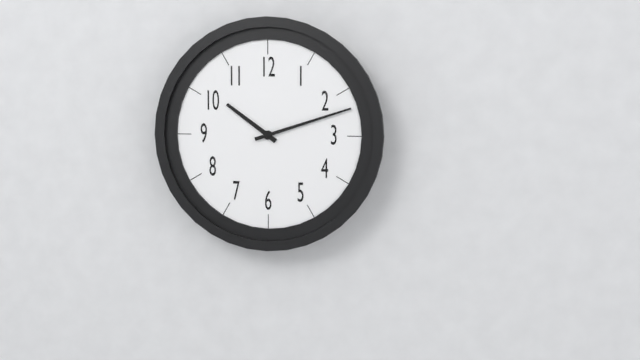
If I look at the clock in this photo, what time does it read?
10:12
